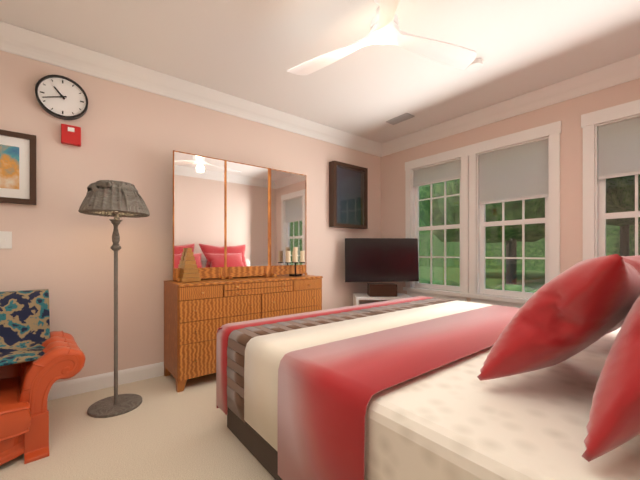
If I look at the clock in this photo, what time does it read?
10:42
